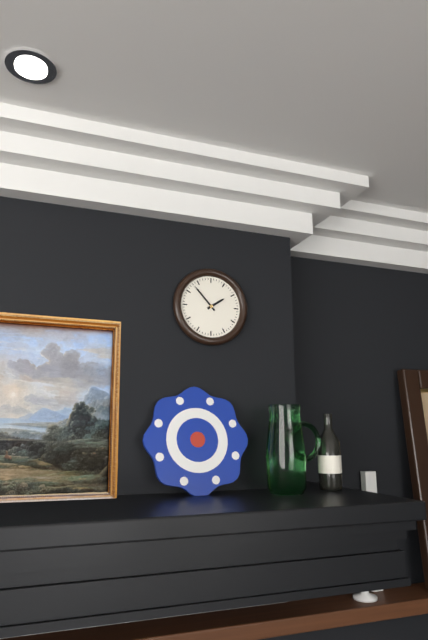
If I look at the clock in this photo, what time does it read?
1:53
